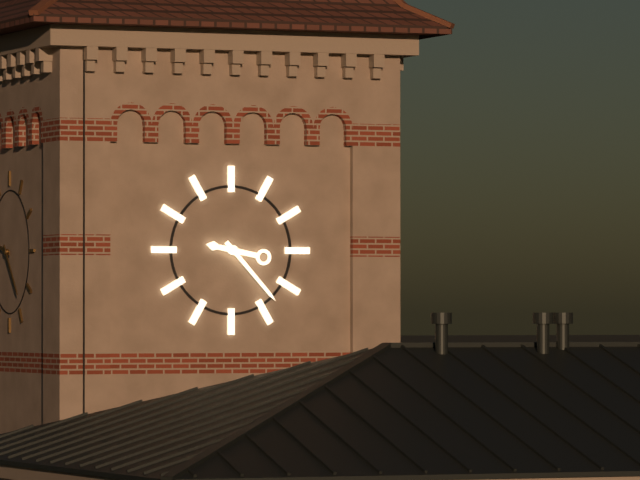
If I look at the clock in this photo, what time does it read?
9:23
